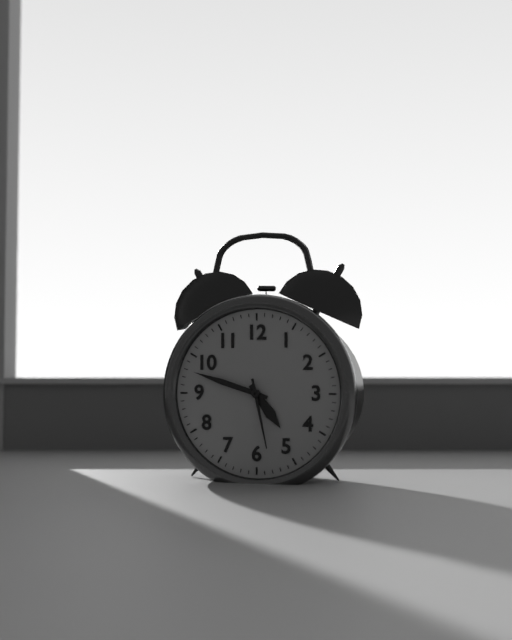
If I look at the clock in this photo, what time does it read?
4:48:28
